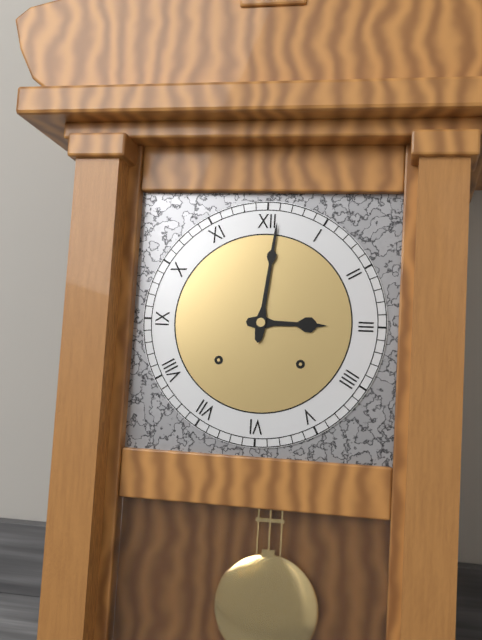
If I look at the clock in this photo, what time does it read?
3:01
